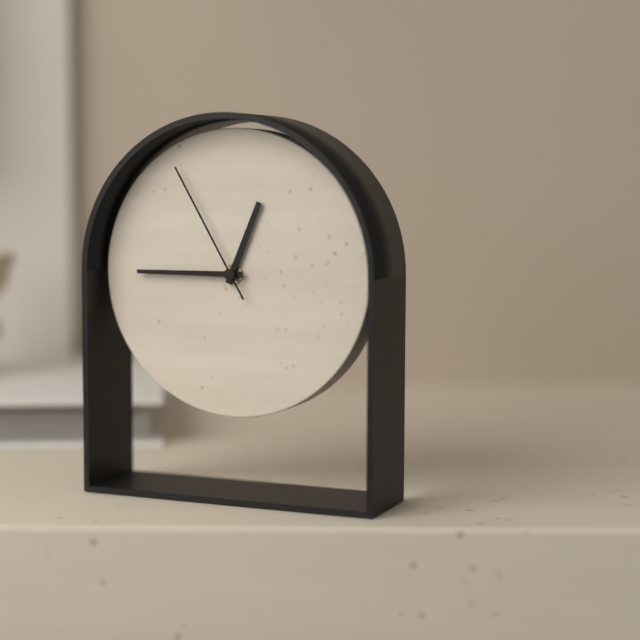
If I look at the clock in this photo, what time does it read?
12:45:55
